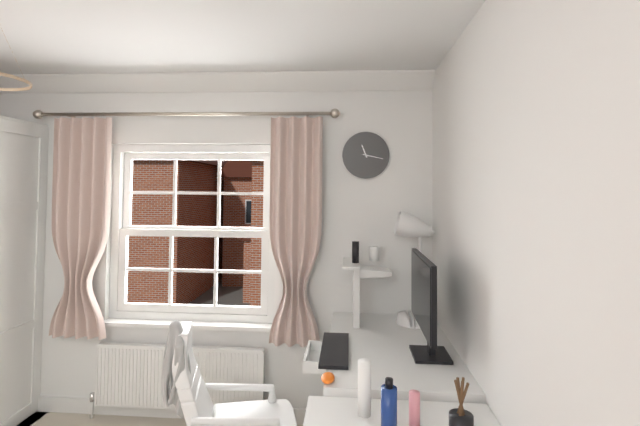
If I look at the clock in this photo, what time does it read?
11:17
